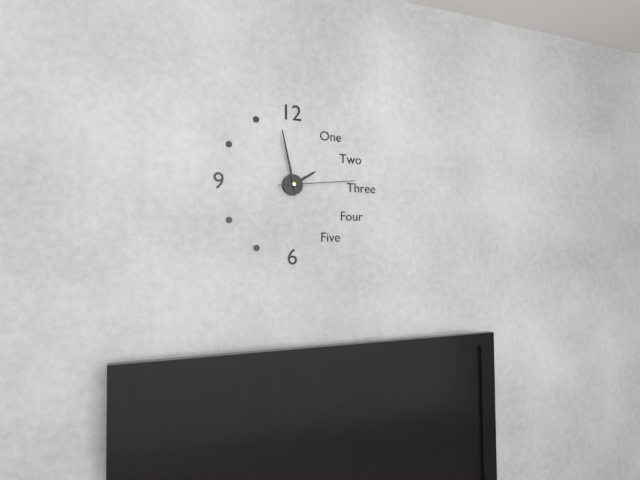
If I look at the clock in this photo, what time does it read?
1:58:14
